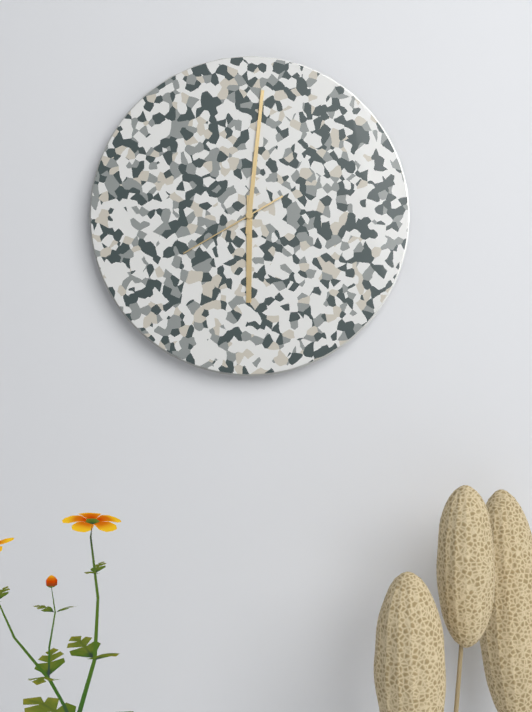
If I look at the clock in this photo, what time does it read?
6:01:40
